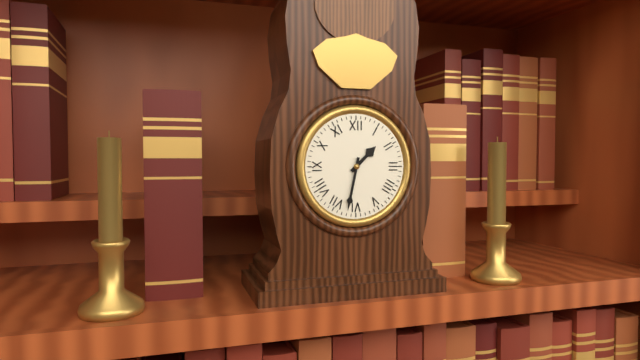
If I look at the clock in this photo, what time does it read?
1:32
